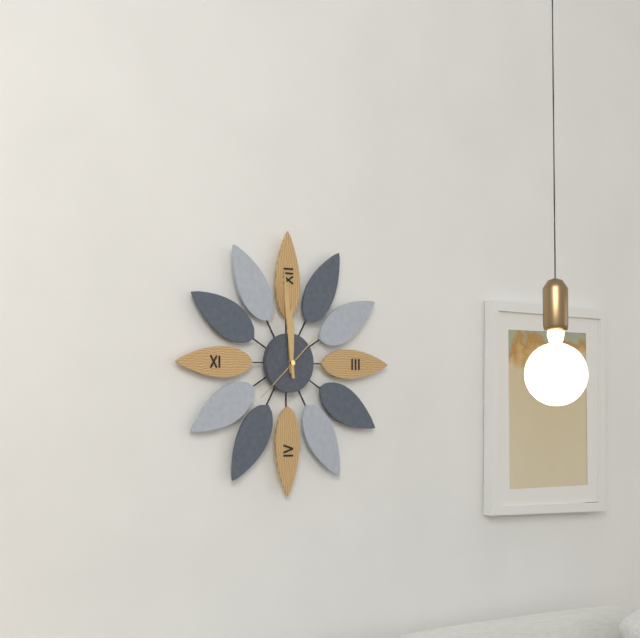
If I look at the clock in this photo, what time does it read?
11:59
